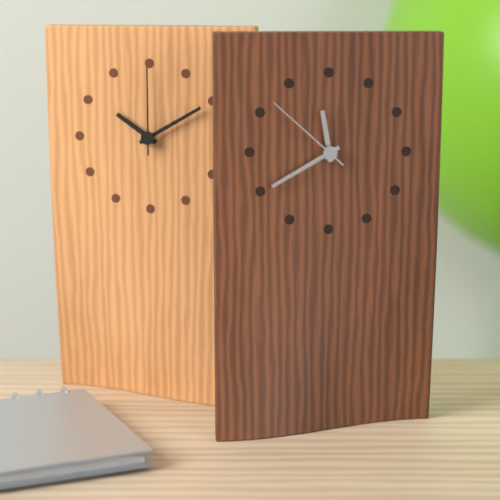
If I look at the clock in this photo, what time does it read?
11:40:52
